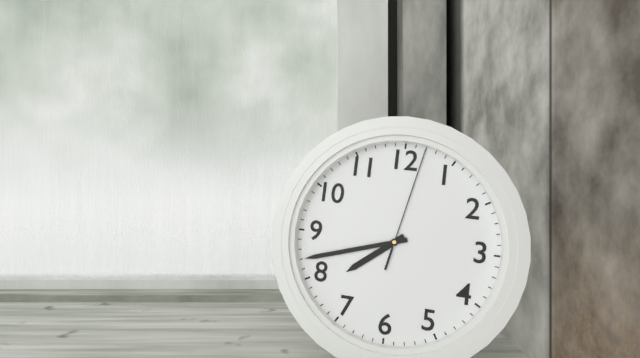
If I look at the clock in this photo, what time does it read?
7:42:02
